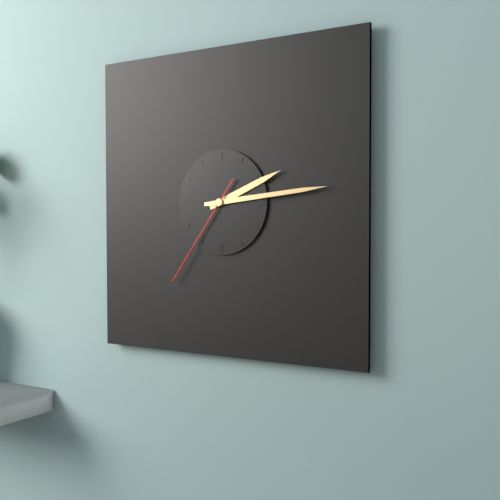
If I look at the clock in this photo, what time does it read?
2:14:36
